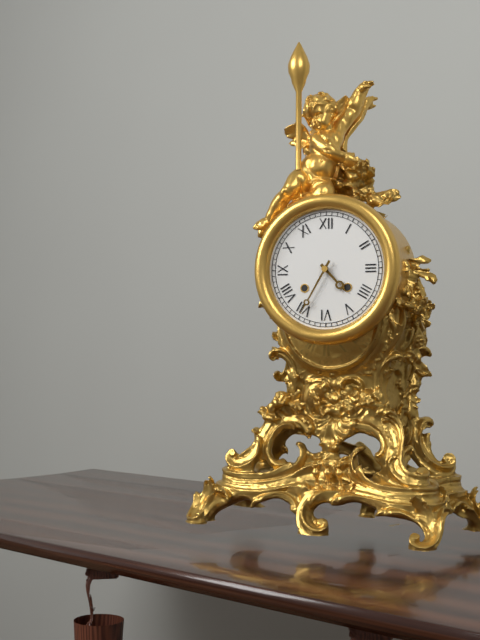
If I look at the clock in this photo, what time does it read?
4:35
